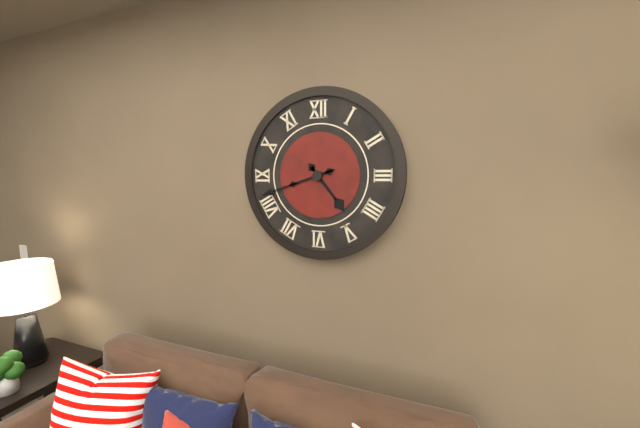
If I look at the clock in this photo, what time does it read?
4:42
